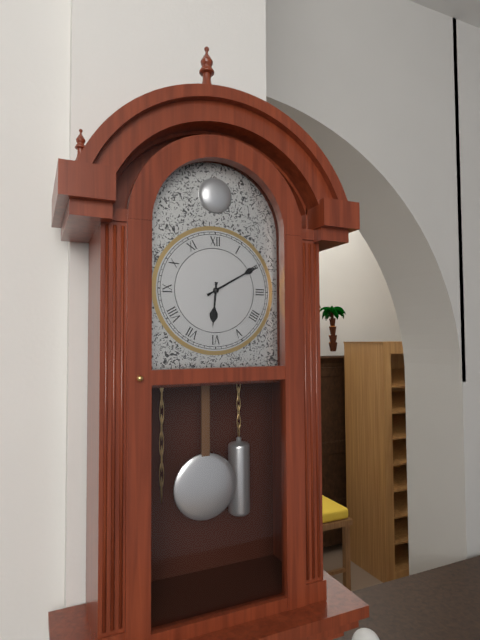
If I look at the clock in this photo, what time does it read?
6:10
